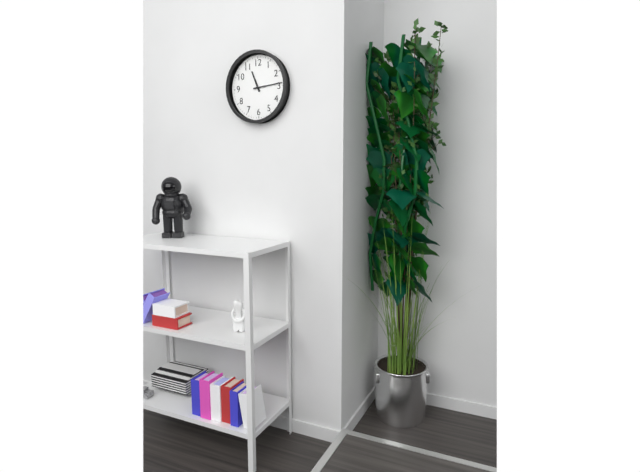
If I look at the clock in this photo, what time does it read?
11:14
